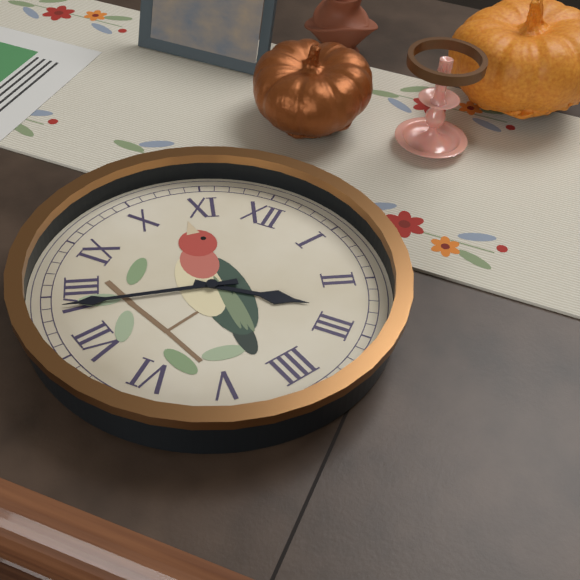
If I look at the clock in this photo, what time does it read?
2:39
